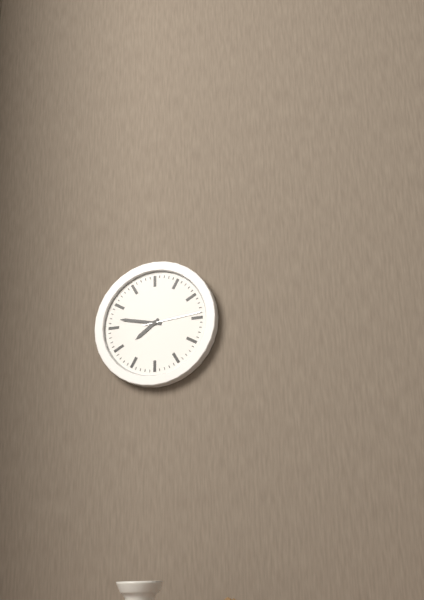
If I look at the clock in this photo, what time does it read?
7:47:14
